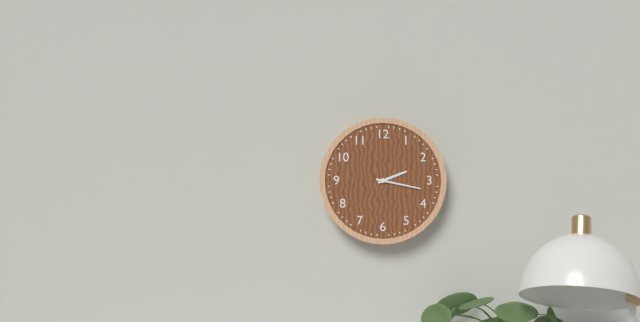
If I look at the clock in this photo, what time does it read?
2:17
